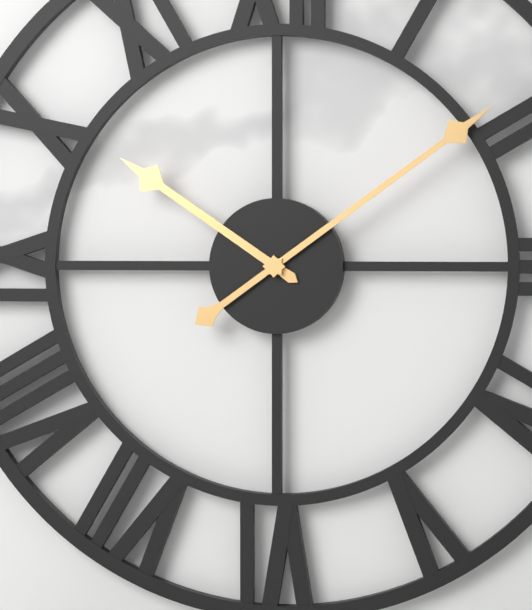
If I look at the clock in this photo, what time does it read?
10:09
